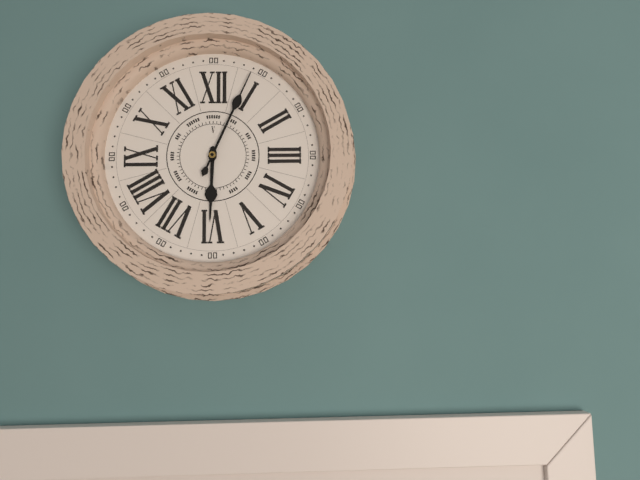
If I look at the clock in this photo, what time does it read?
6:04
